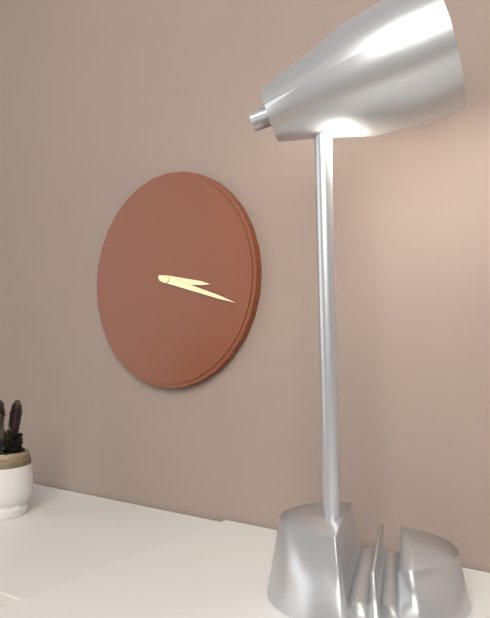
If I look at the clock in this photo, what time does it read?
3:18
